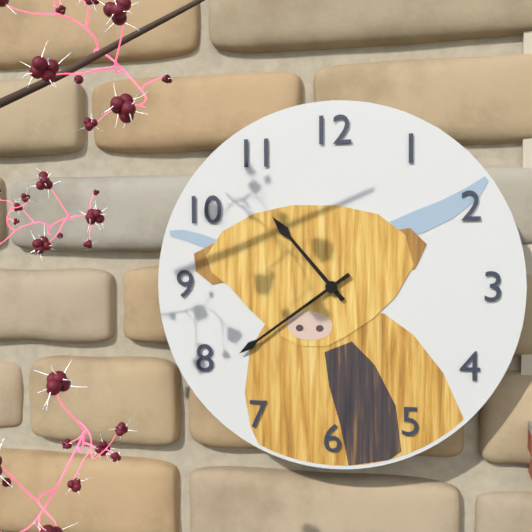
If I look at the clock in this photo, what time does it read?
10:39
